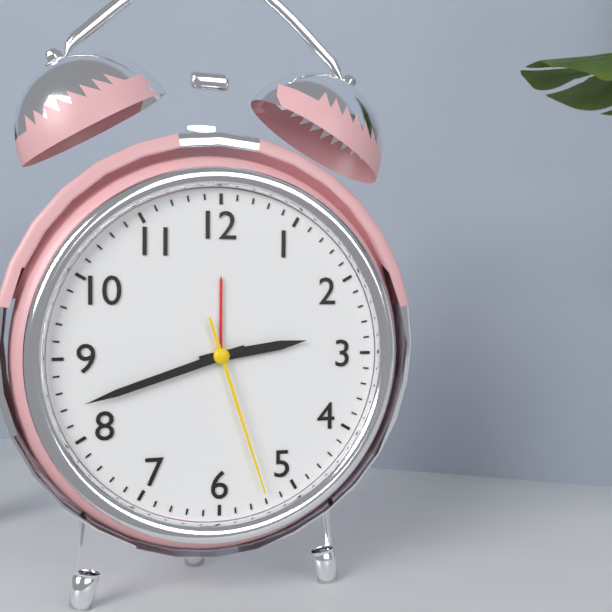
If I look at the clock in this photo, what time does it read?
2:42:27
